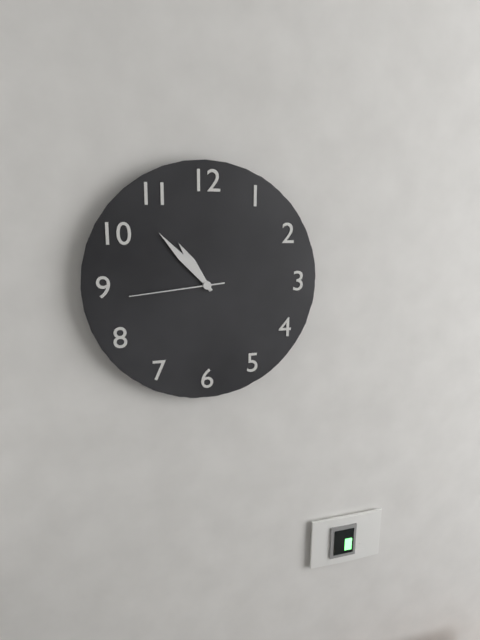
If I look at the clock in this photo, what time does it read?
10:53:44
